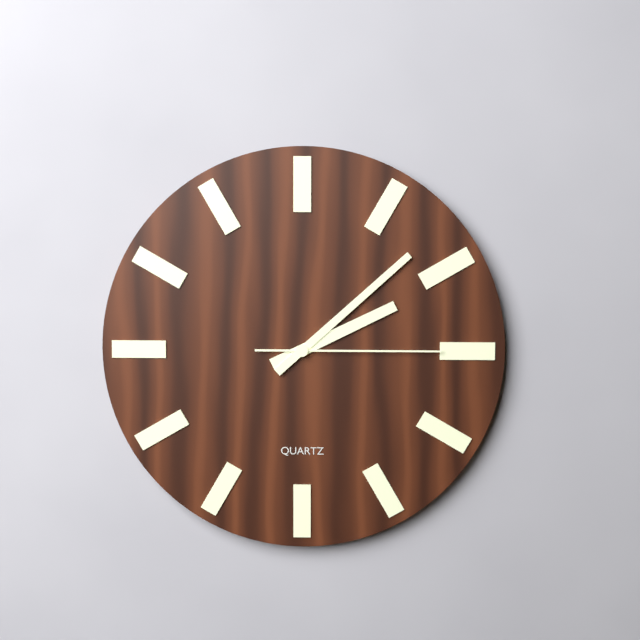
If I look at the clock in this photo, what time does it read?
2:08:15
